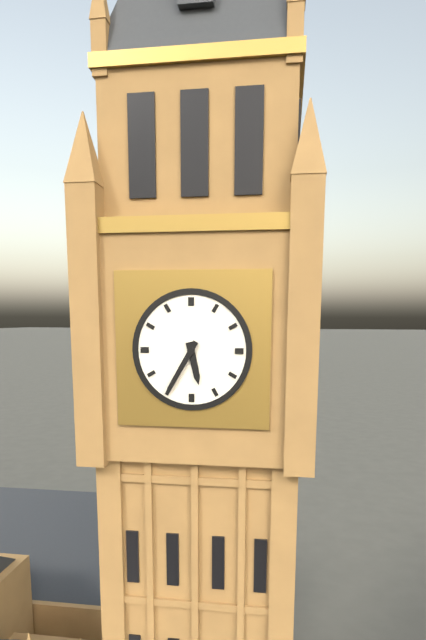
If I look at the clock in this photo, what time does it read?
5:35
